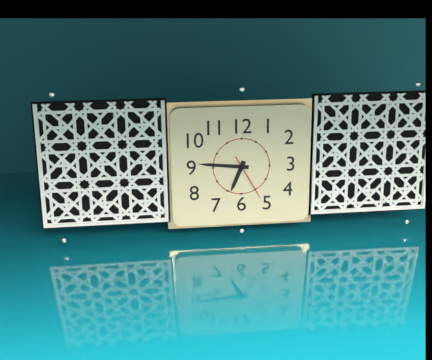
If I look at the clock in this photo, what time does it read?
6:46
